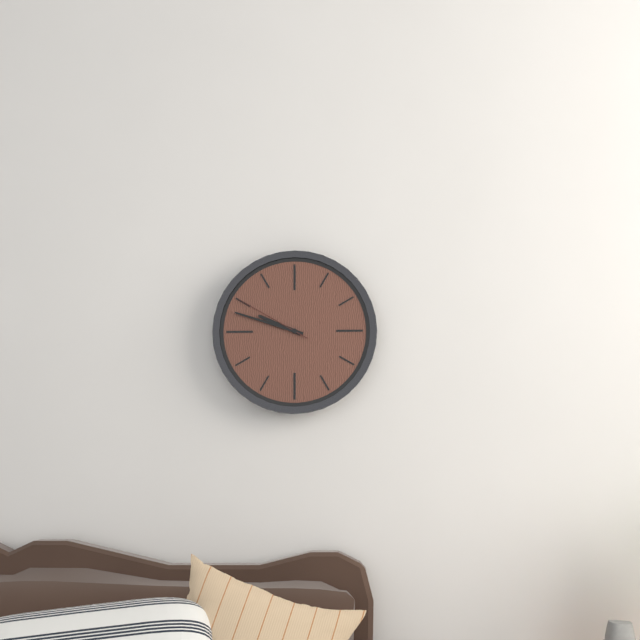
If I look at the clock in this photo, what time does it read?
9:48:50
